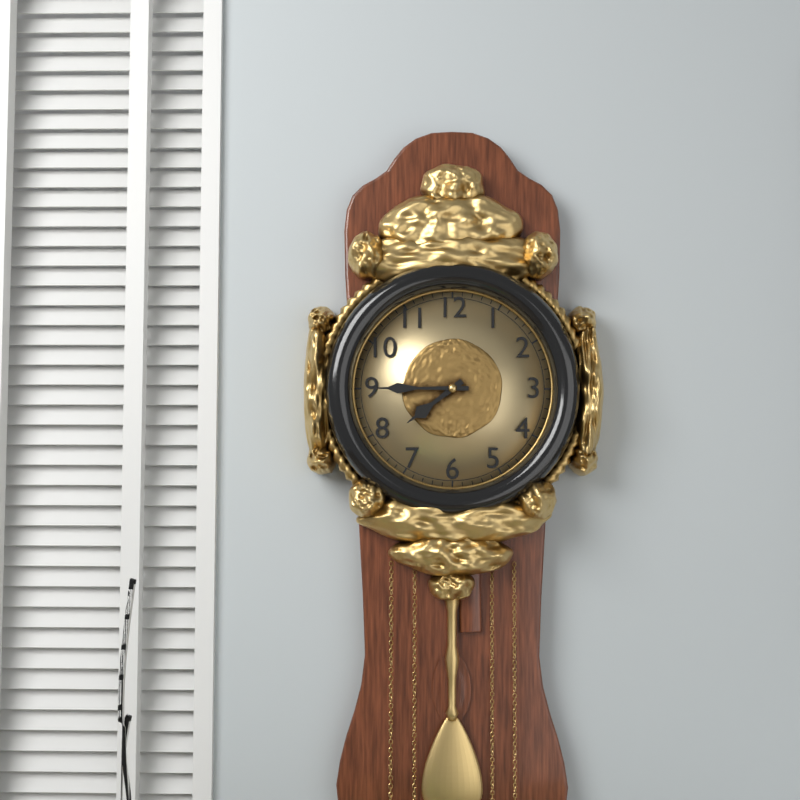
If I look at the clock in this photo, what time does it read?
7:45
